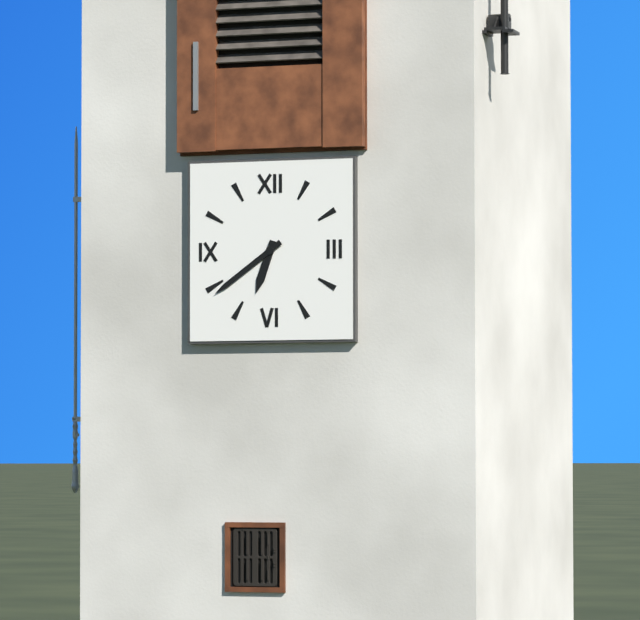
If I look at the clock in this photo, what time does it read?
6:39
